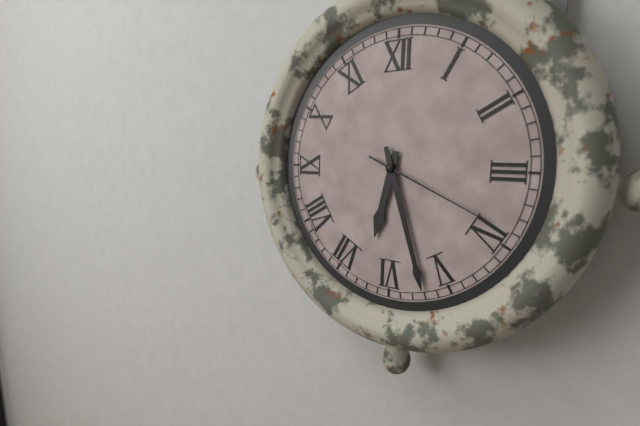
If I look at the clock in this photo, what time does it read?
6:27:19
